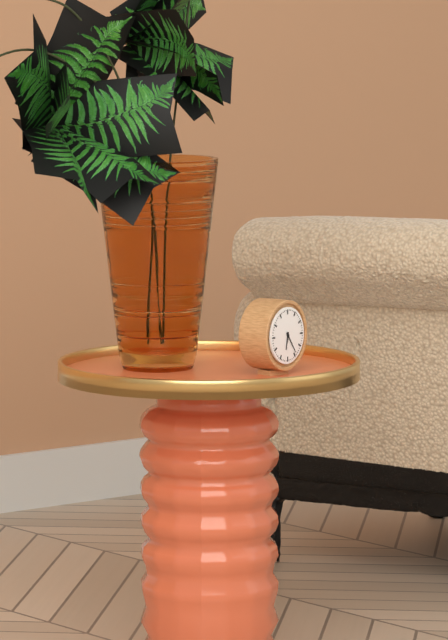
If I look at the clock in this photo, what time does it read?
6:24
